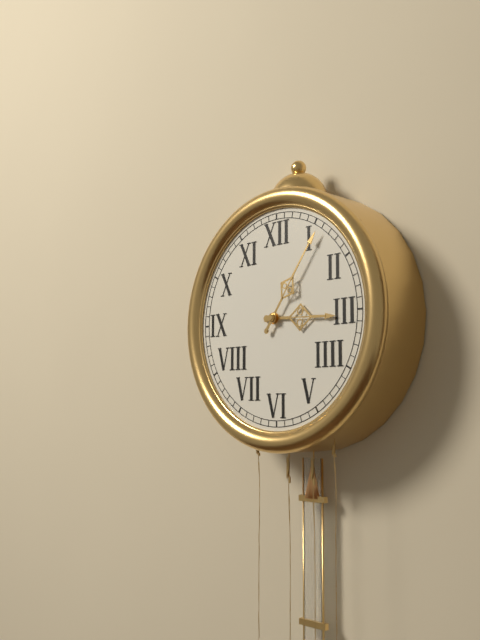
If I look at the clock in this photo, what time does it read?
3:06
